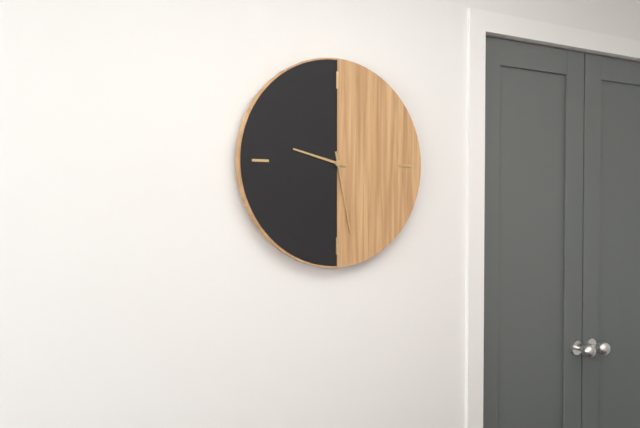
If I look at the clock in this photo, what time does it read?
9:28
